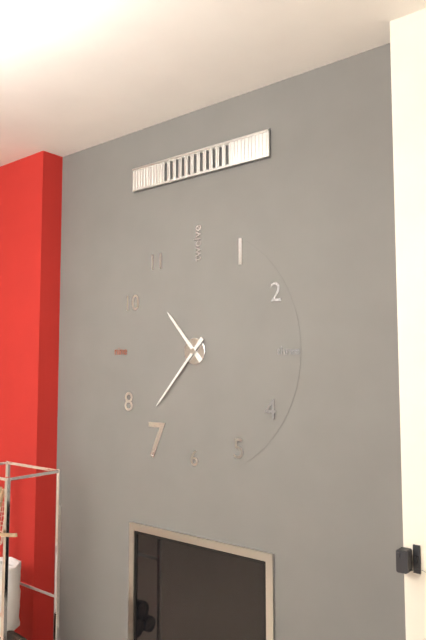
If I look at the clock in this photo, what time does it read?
10:37
